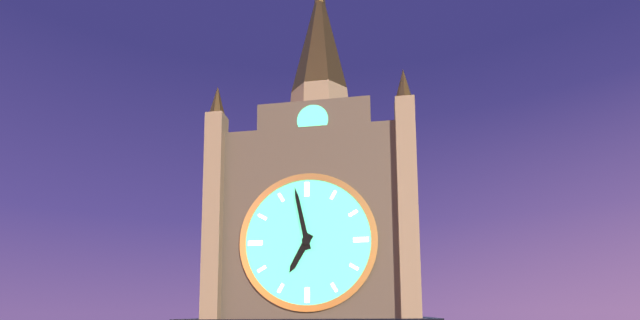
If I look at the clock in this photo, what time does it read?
6:58
